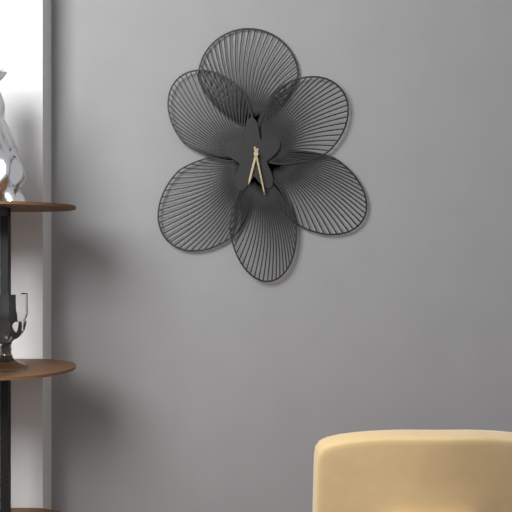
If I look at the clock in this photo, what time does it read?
6:28
